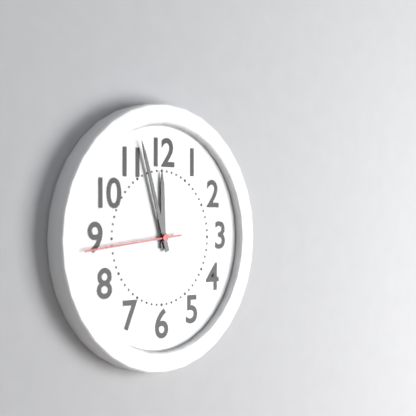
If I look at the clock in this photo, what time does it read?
11:57:44
